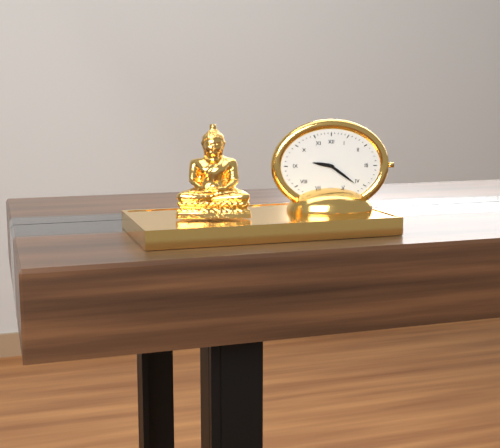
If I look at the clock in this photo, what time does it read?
9:21
